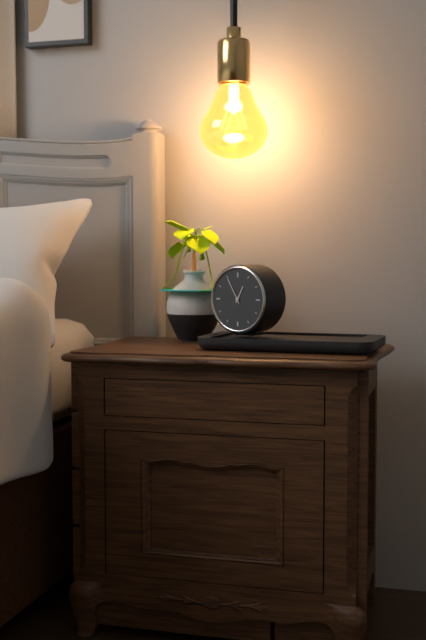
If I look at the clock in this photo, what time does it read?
12:55
